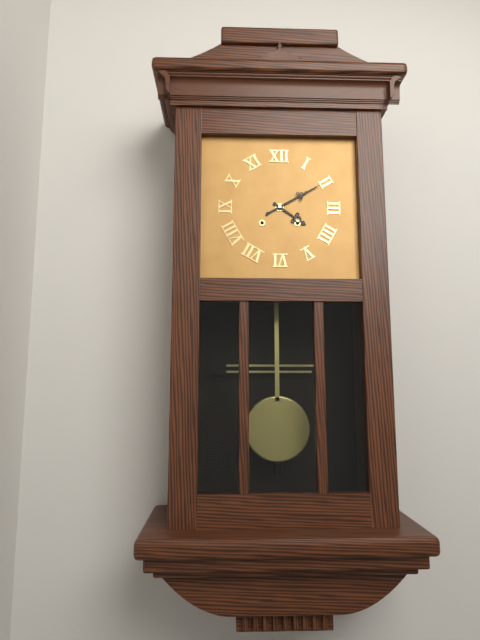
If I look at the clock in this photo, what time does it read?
4:10
